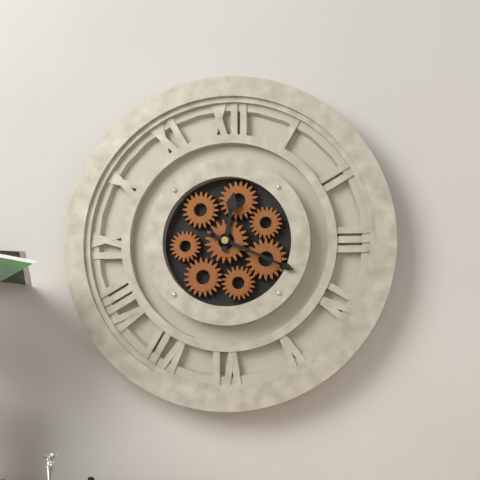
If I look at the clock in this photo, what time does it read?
12:19
